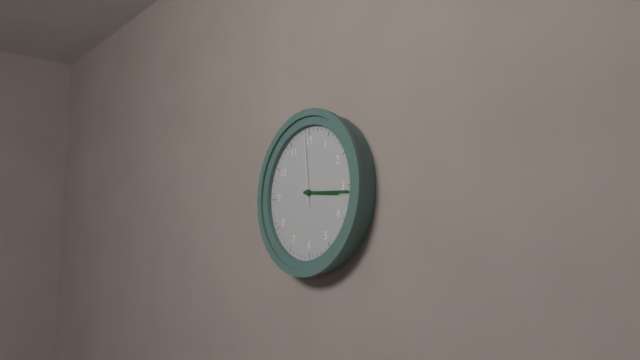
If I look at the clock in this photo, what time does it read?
3:16:59
